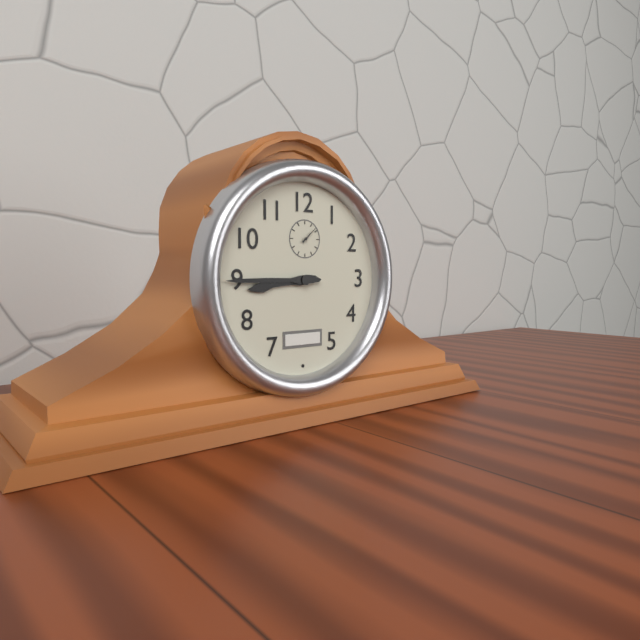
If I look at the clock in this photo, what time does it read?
8:45
